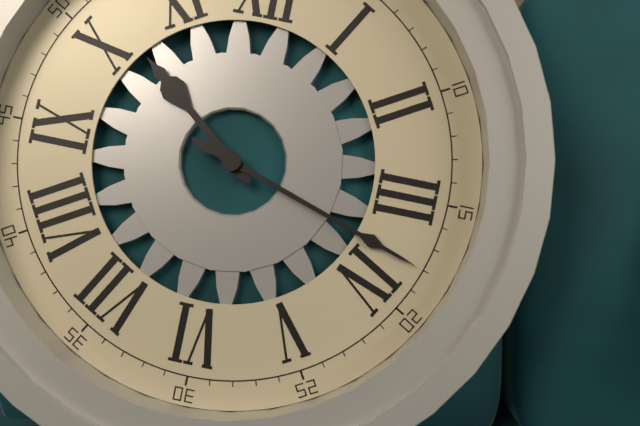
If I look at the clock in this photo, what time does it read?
10:18
